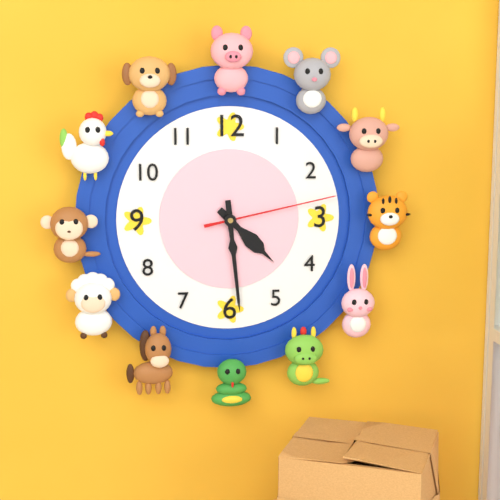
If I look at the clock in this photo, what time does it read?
4:29:13
